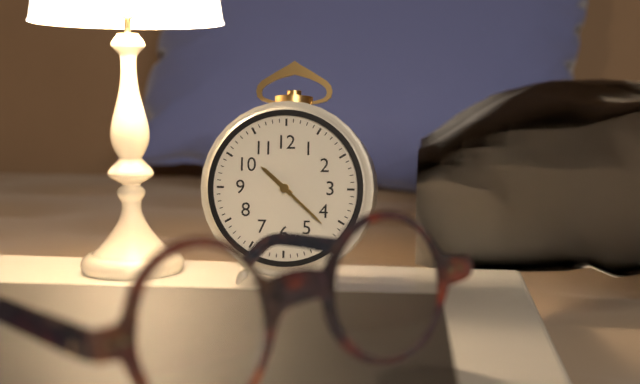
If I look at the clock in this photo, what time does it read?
10:22
